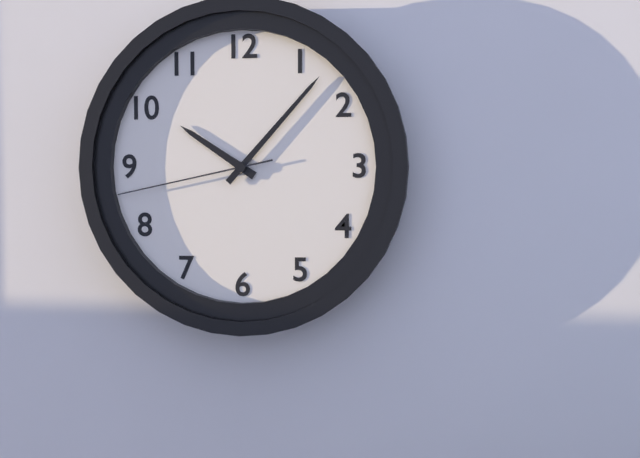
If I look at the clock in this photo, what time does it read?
10:07:43
